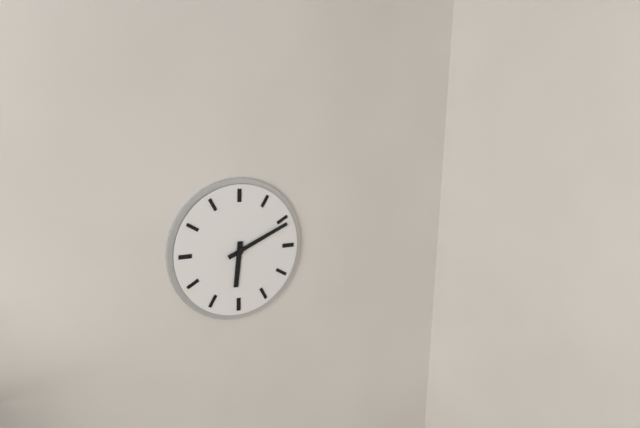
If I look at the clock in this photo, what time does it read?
6:11
